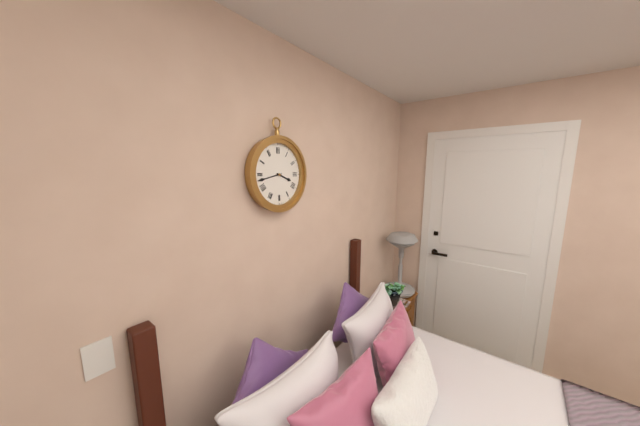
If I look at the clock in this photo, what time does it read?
3:43
